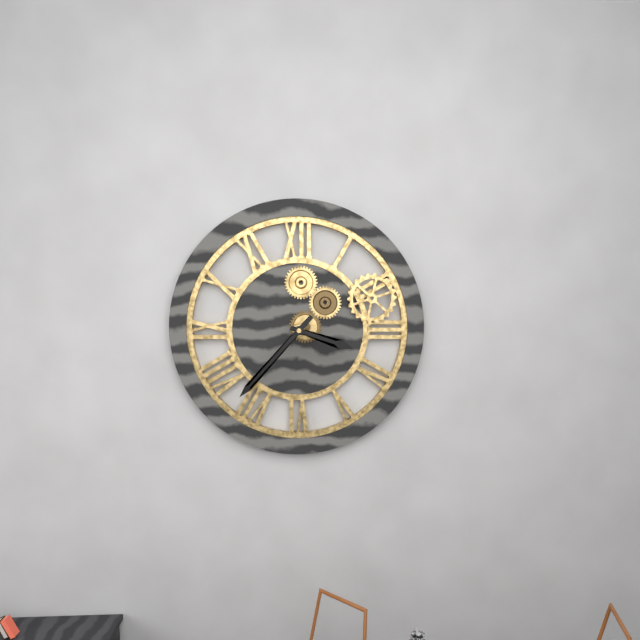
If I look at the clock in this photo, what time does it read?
3:37
